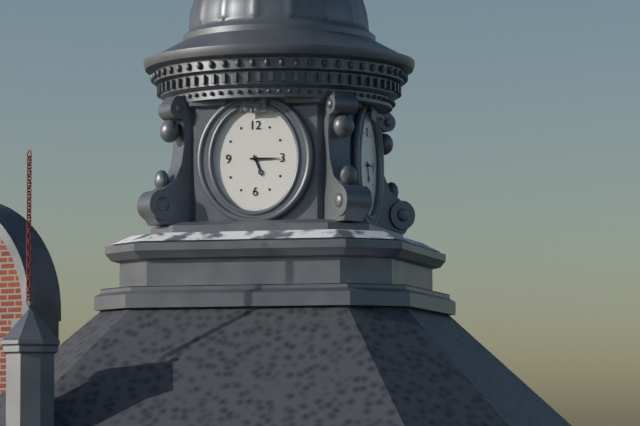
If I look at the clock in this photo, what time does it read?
5:15
